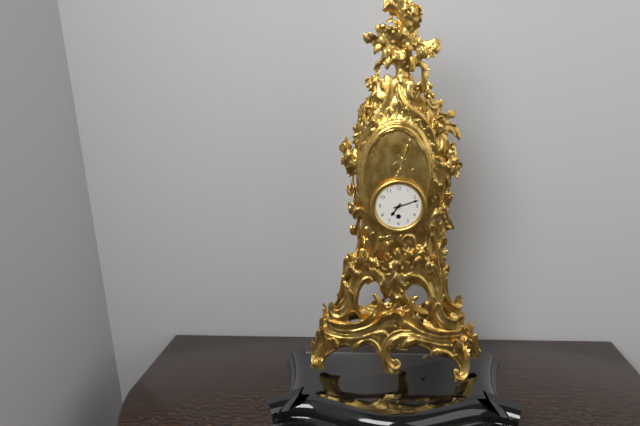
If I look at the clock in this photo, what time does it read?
7:12
